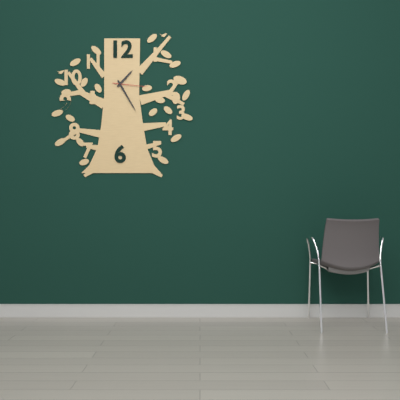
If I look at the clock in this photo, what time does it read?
1:25
